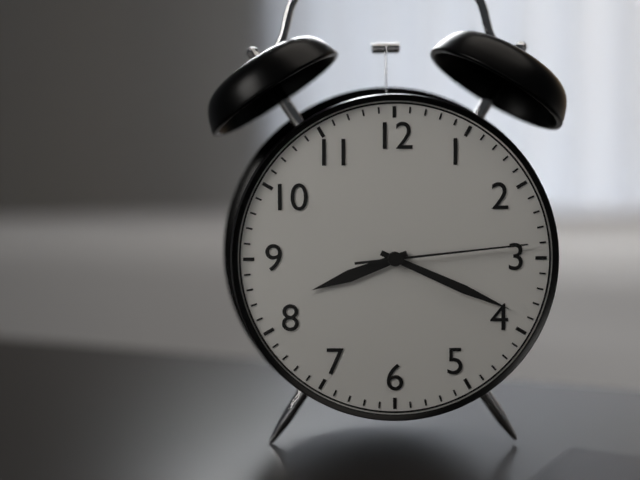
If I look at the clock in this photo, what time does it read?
8:19:14
